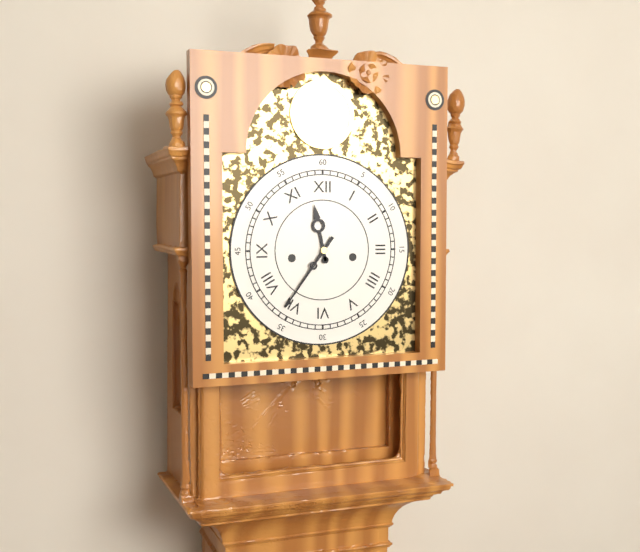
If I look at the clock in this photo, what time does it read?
11:36
